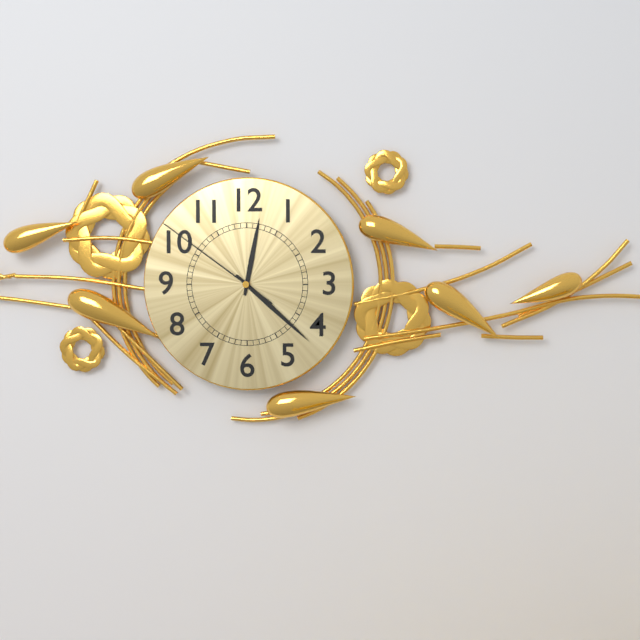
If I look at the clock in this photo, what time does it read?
12:22:51
